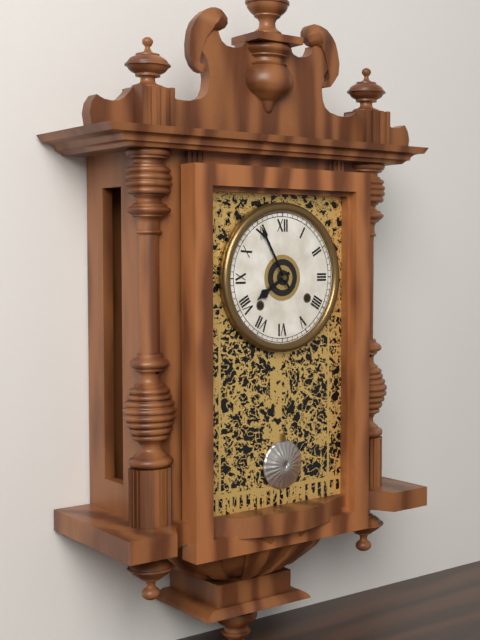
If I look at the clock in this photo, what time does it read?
7:55
